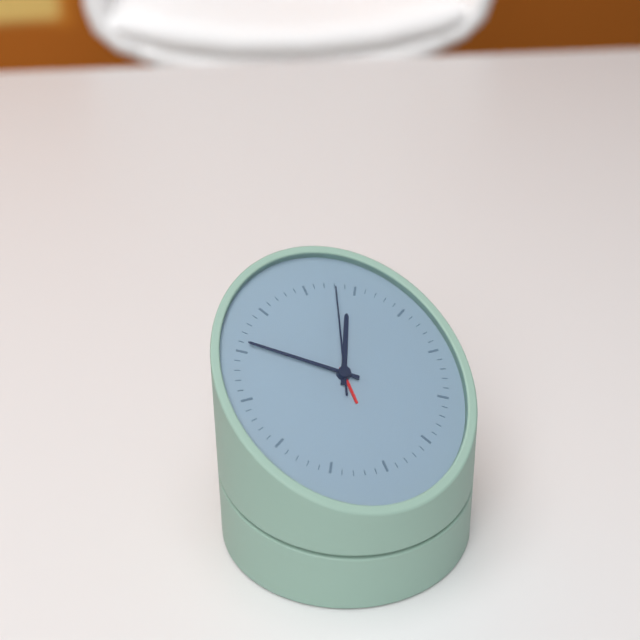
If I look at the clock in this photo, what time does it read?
12:51:03
